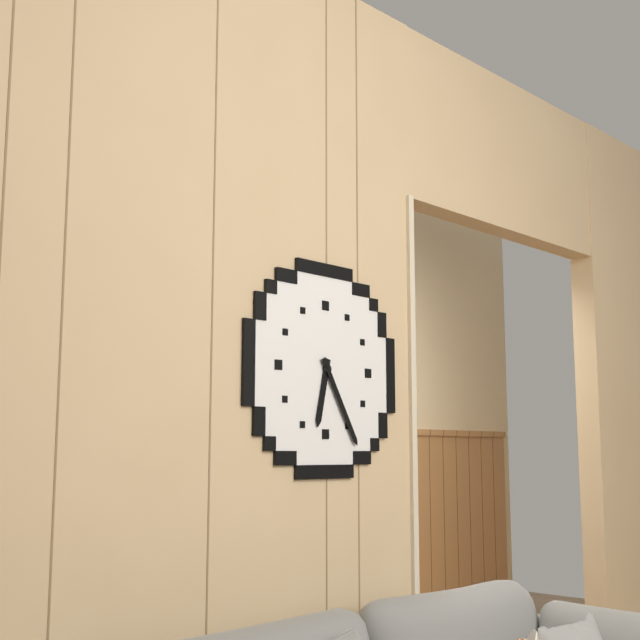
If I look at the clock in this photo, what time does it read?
6:25
